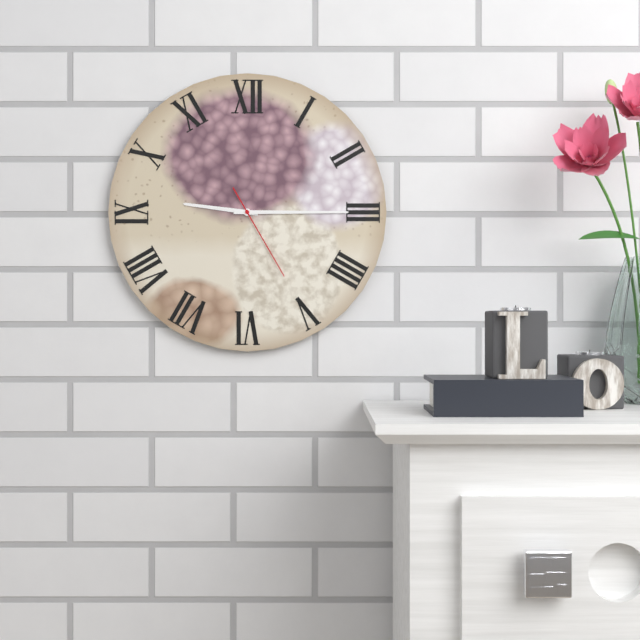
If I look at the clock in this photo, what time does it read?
9:15:25
